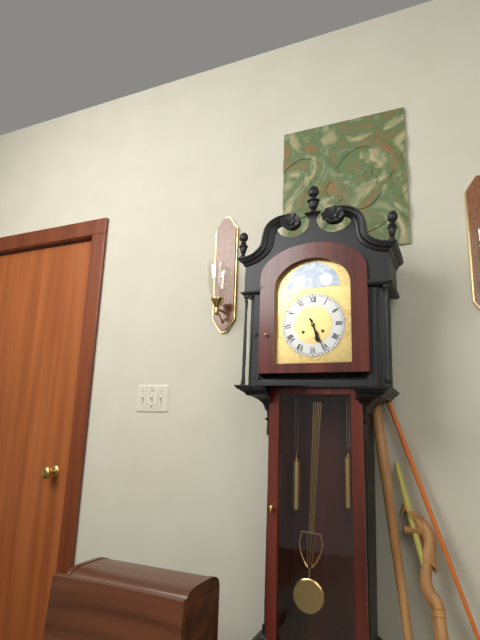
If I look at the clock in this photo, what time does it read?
5:26
